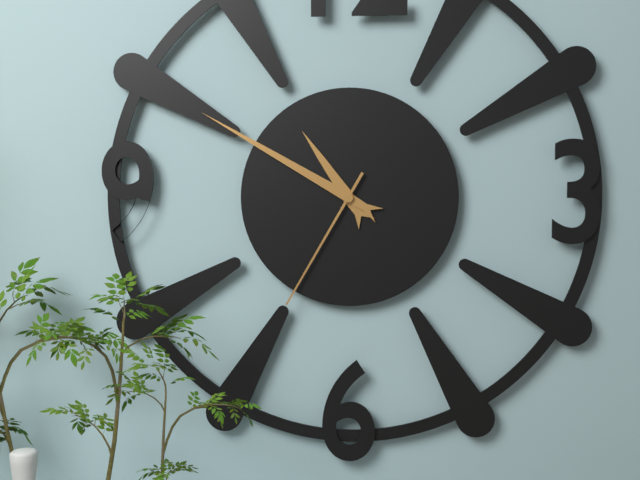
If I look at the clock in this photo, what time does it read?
10:50:35
